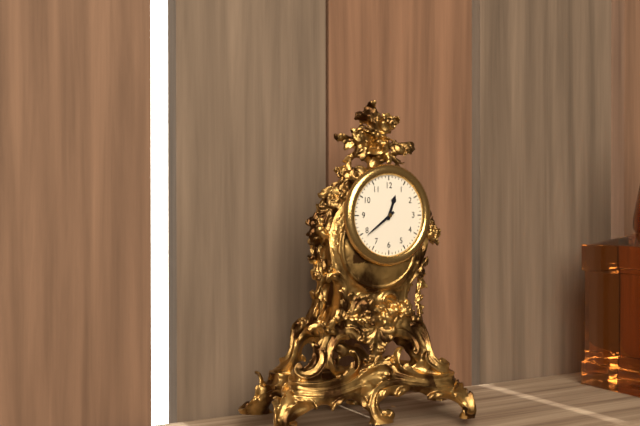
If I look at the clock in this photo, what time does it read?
12:39
